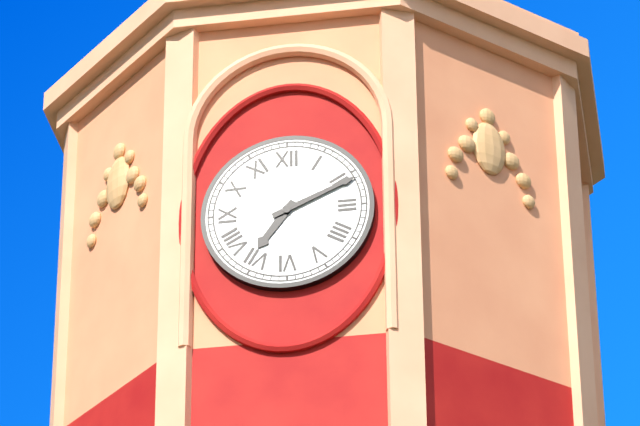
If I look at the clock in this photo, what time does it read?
7:11
